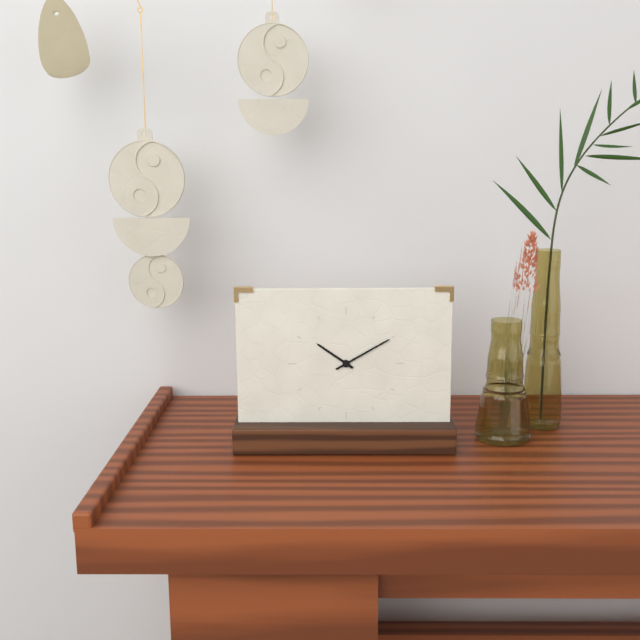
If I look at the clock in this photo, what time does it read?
10:10
